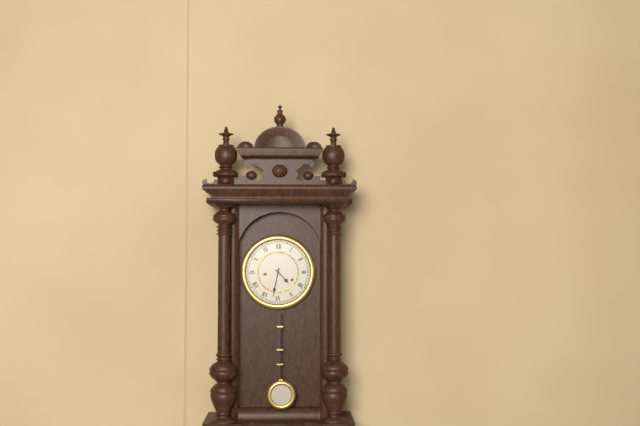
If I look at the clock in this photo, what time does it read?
4:32
